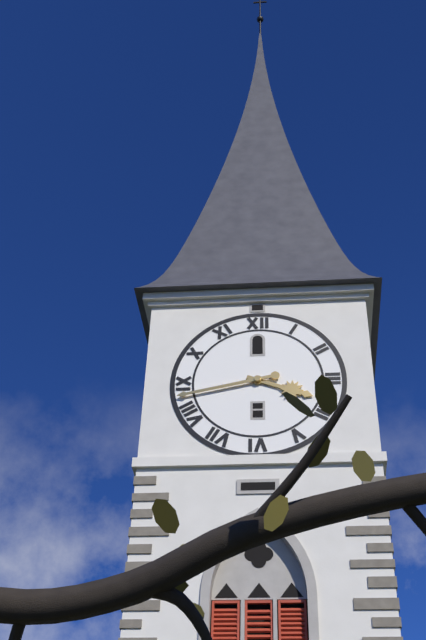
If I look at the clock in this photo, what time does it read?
3:43
